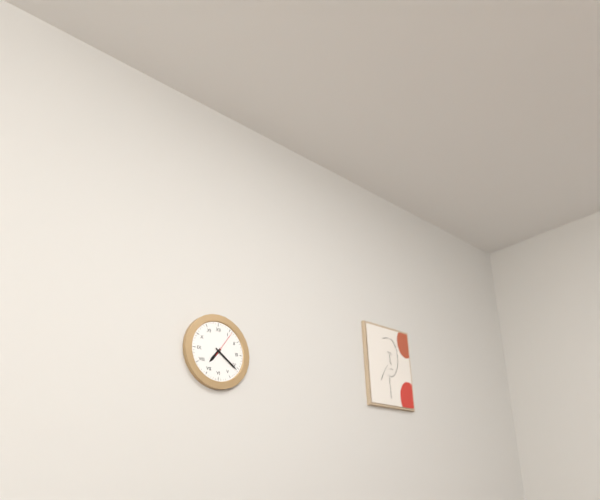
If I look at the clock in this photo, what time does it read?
7:21
